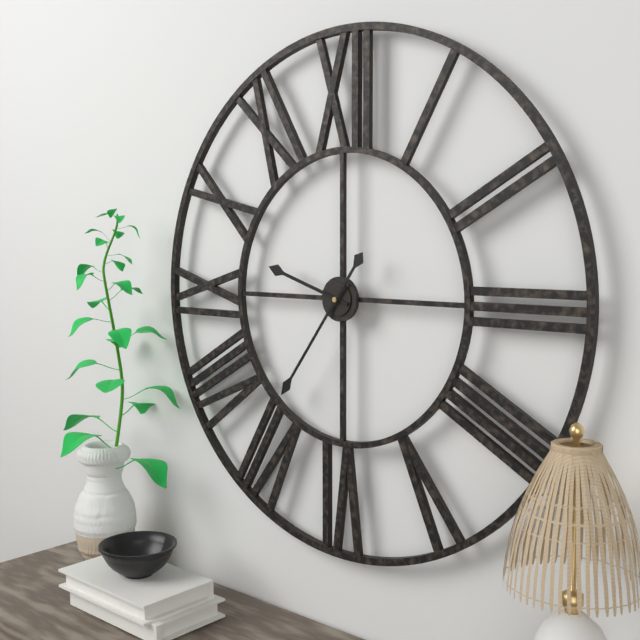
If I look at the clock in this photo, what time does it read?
9:36
